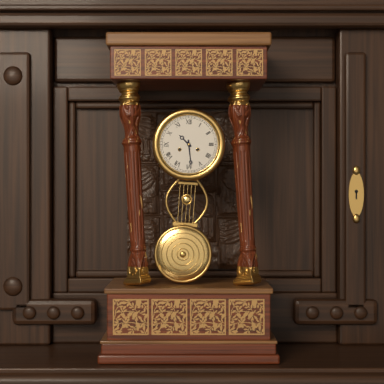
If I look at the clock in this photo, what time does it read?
10:29
